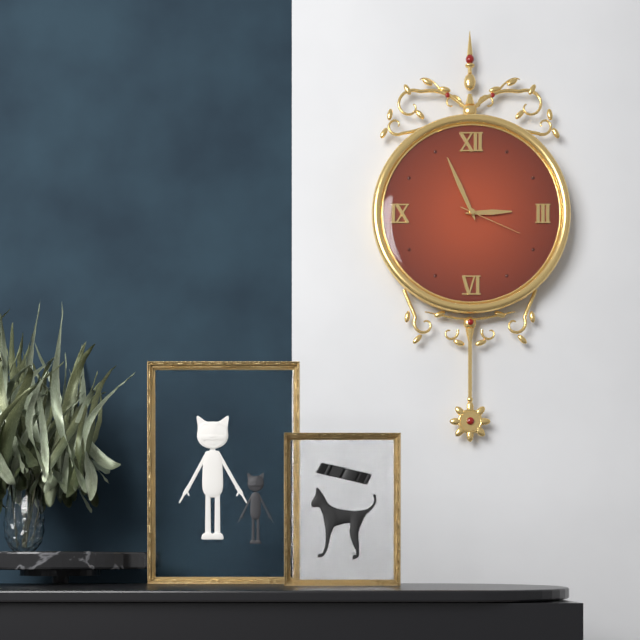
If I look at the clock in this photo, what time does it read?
2:56:19
